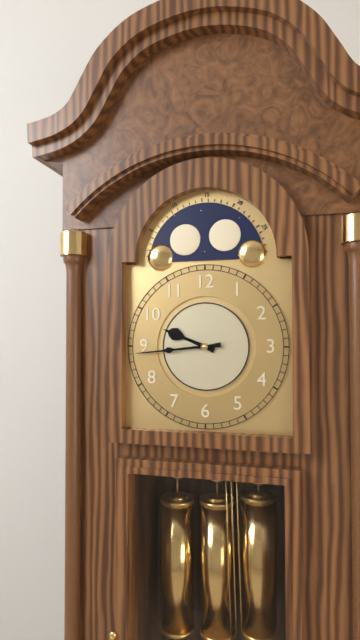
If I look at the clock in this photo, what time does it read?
9:44
